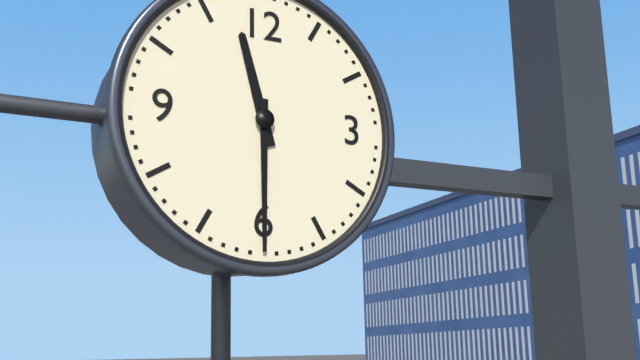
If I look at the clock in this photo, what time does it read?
11:30
